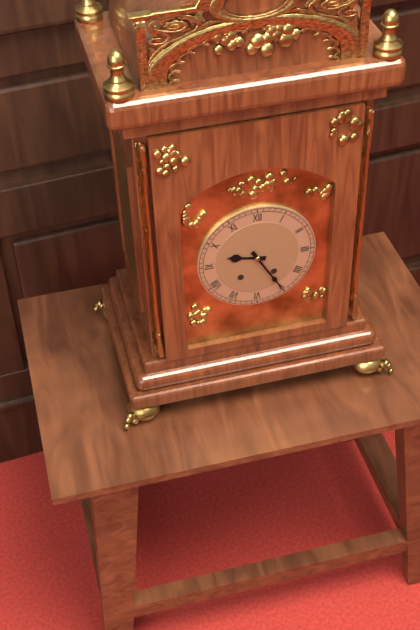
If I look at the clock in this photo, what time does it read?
9:25
